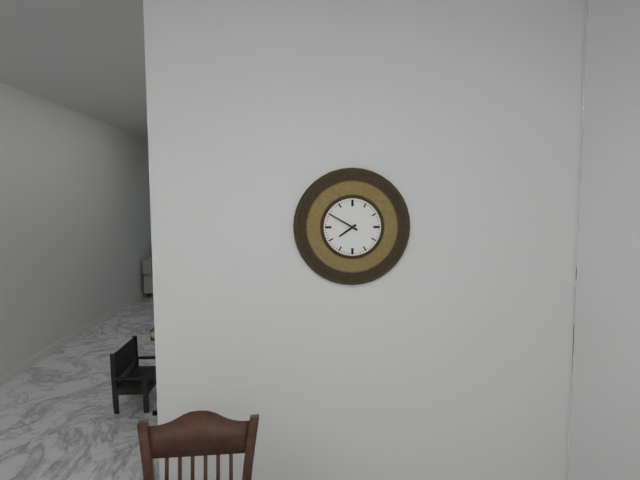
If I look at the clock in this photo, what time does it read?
7:50
